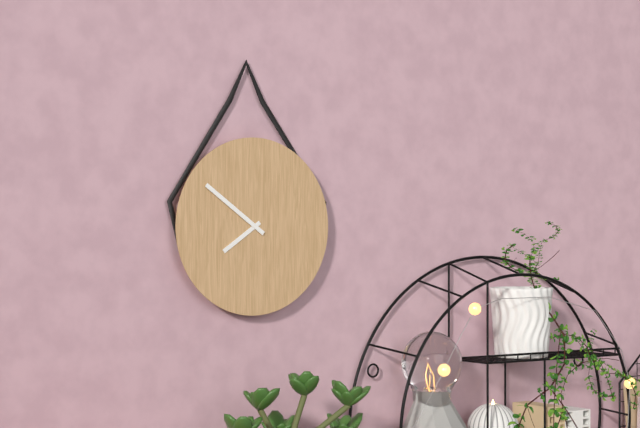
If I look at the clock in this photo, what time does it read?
7:51
